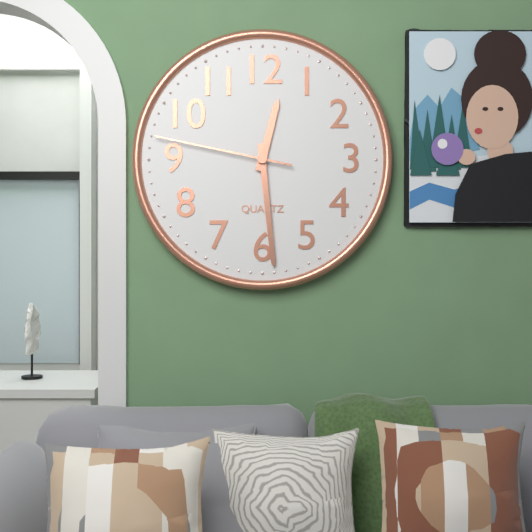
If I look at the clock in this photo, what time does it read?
12:29:47
